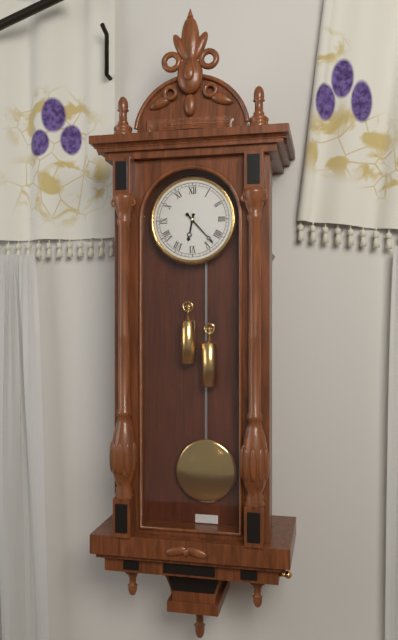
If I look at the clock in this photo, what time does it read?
6:23
